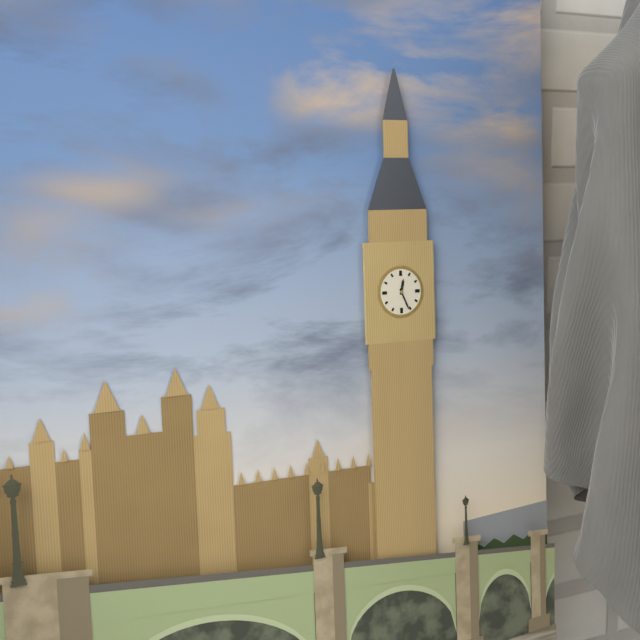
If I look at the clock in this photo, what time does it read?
12:26
